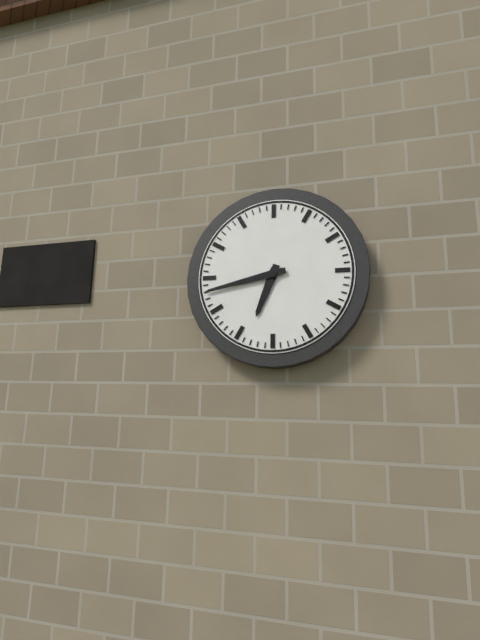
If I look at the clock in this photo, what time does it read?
6:43
